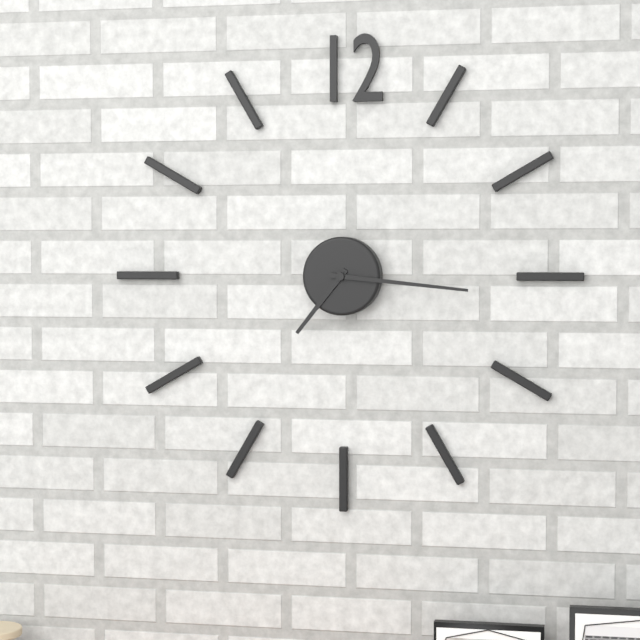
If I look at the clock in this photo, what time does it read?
7:16
